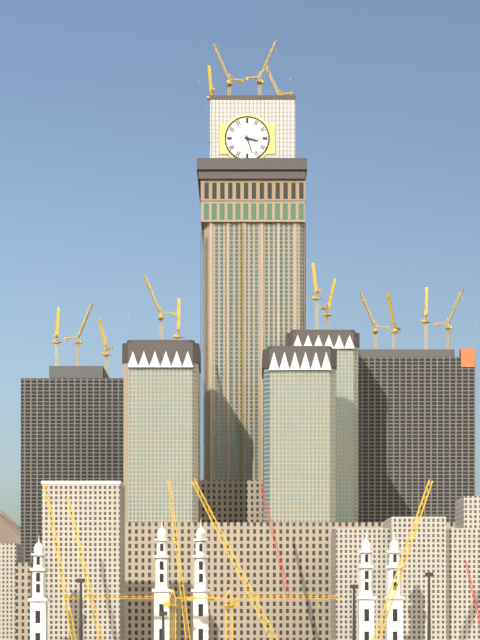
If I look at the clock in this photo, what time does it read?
3:27
